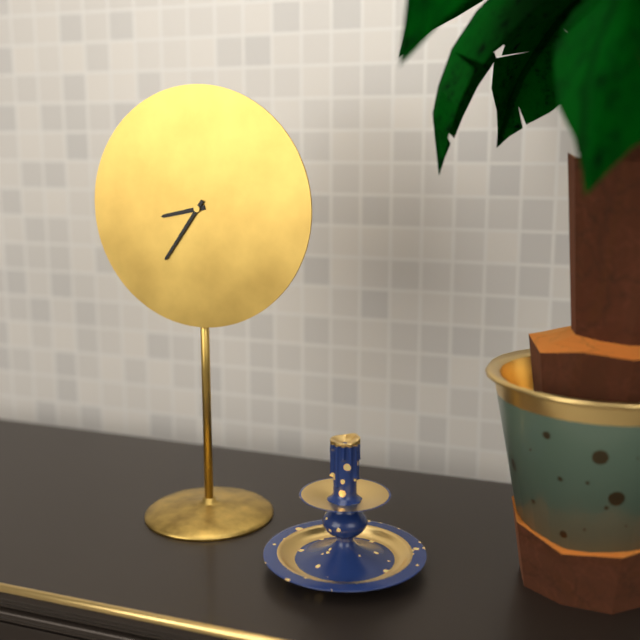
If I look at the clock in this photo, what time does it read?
8:36
